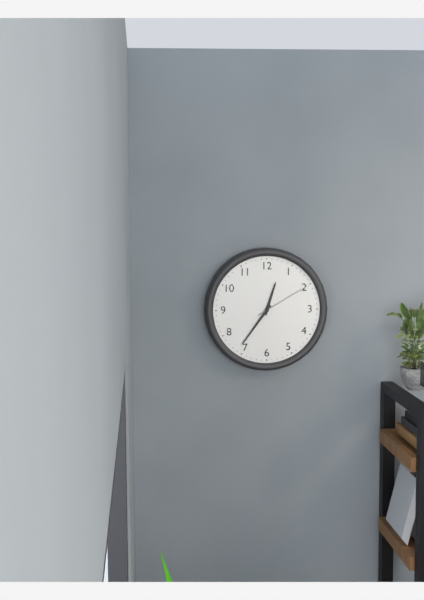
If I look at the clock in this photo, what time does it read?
12:36:10
